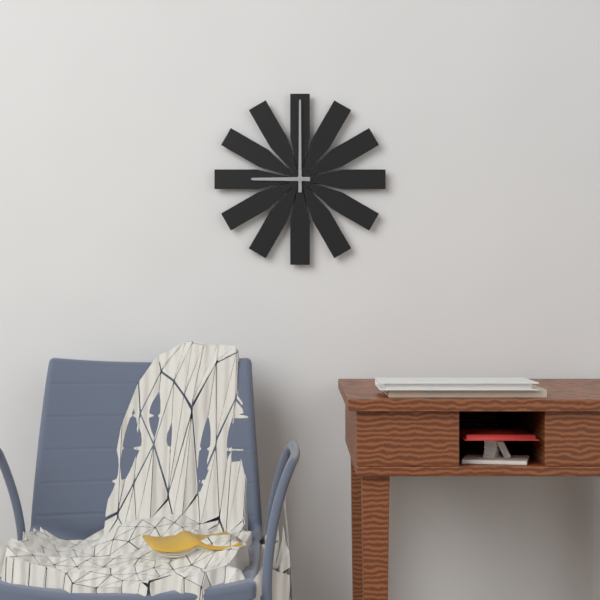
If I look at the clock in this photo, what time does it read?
9:00
